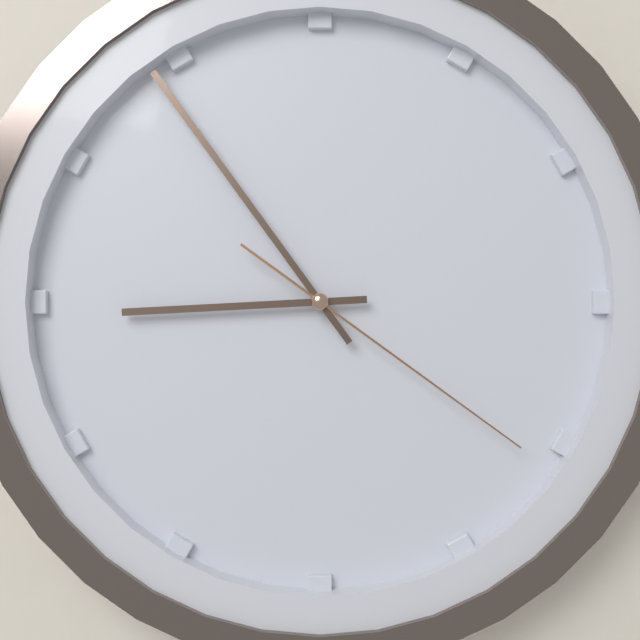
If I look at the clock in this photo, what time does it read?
8:54:21
